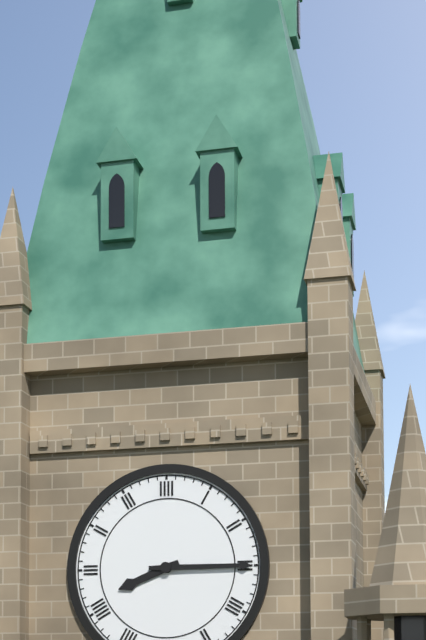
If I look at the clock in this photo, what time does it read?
8:15
